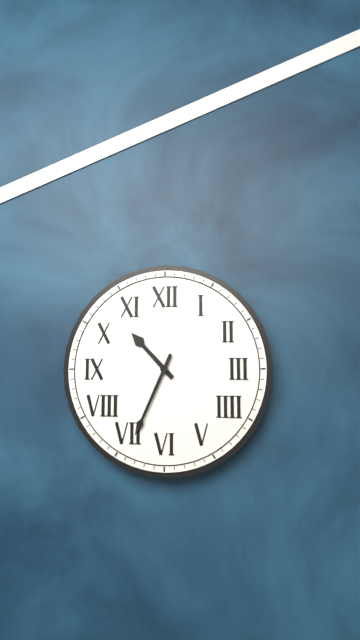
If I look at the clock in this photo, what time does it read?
10:34
